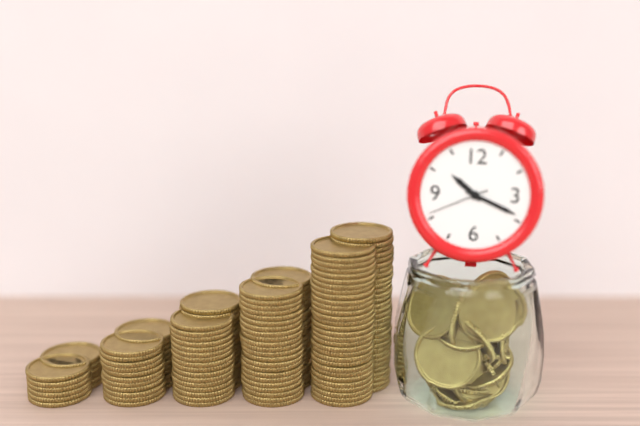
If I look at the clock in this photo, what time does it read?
10:19:41
